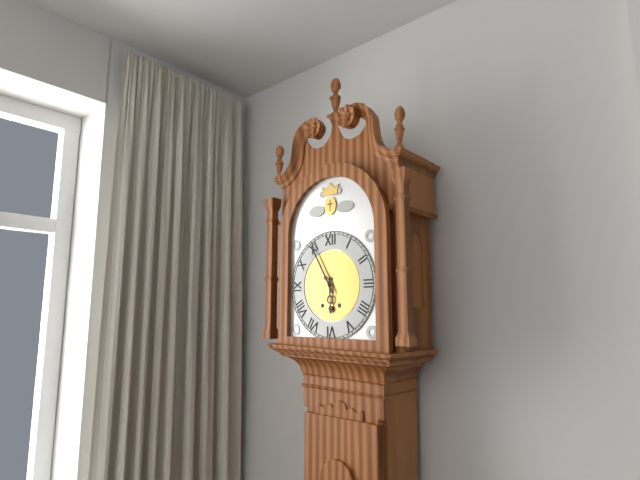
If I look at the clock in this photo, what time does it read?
5:55
